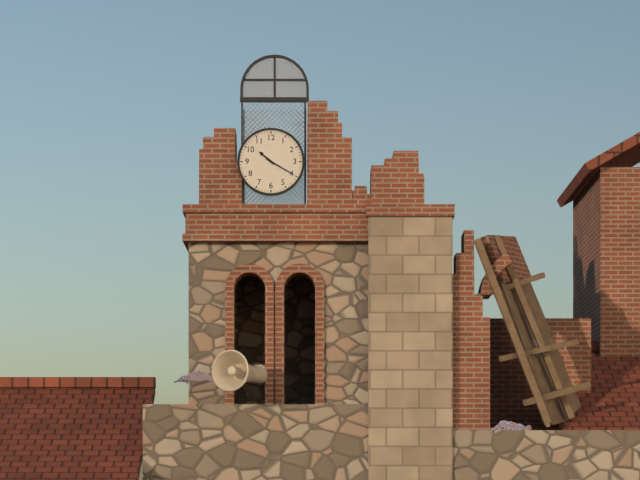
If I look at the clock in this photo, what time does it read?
10:20
